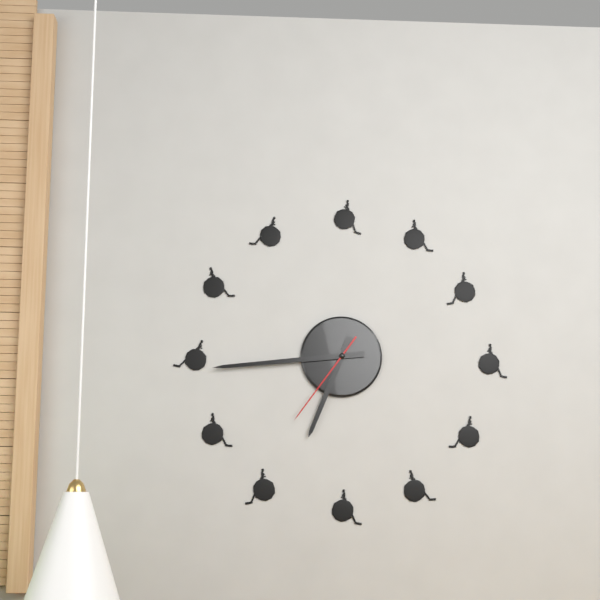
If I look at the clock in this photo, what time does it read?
6:44:36
